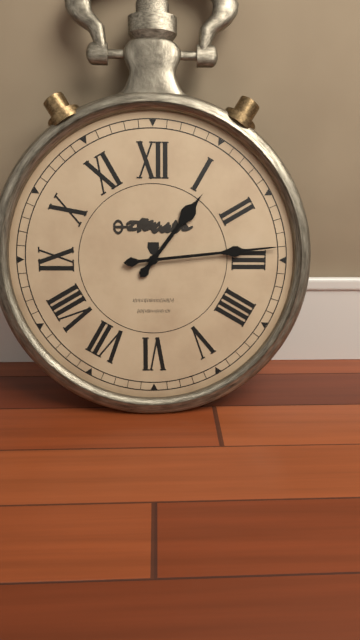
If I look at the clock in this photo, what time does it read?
1:14
